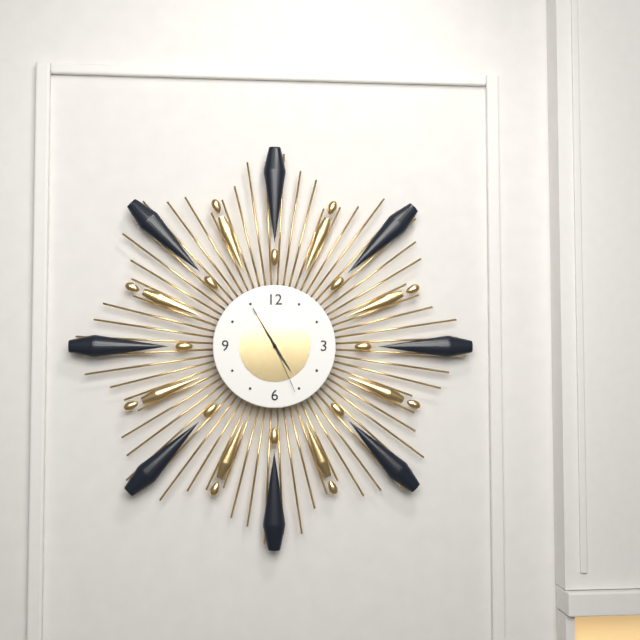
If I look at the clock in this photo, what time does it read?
4:55:26
